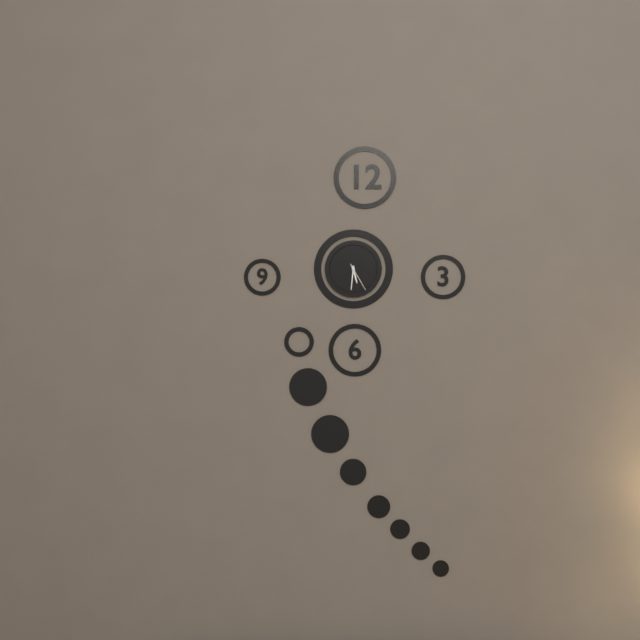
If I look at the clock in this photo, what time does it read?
5:31
